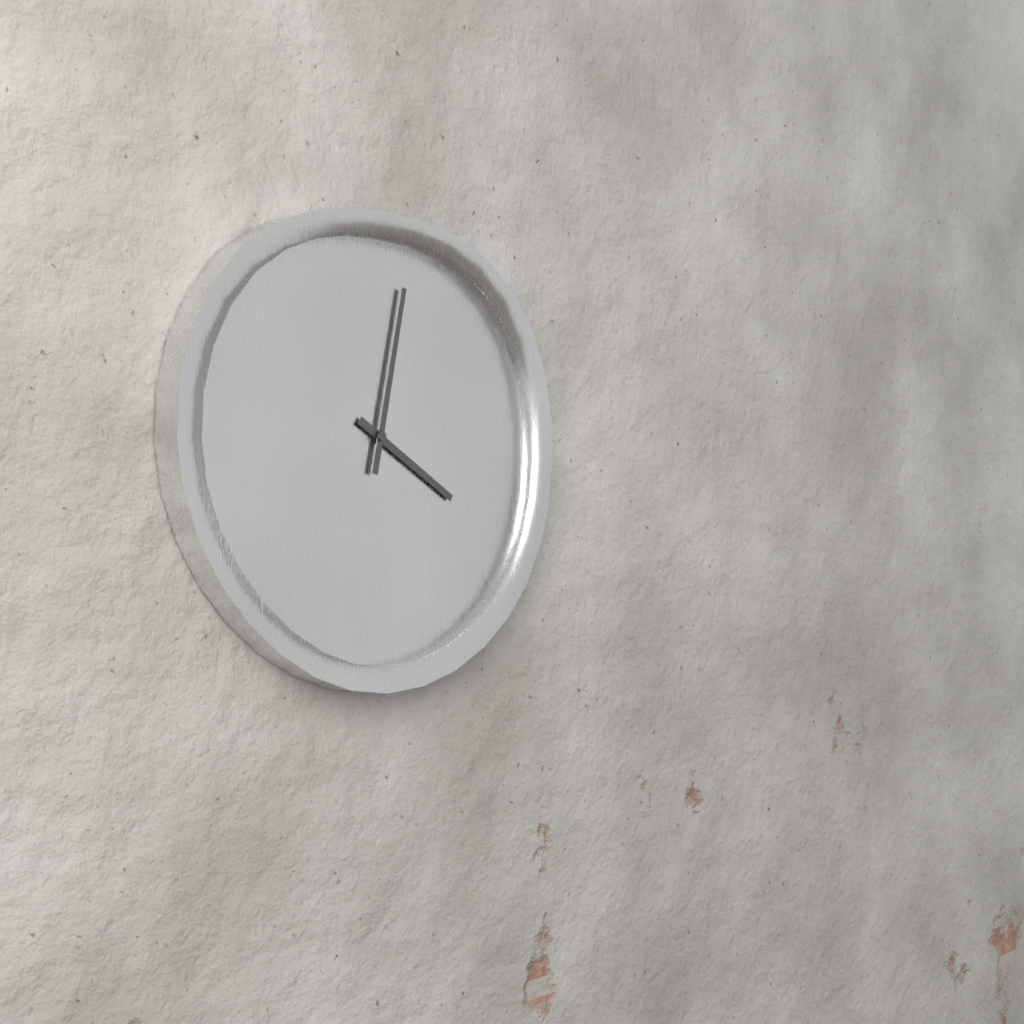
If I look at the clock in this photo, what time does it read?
4:02
